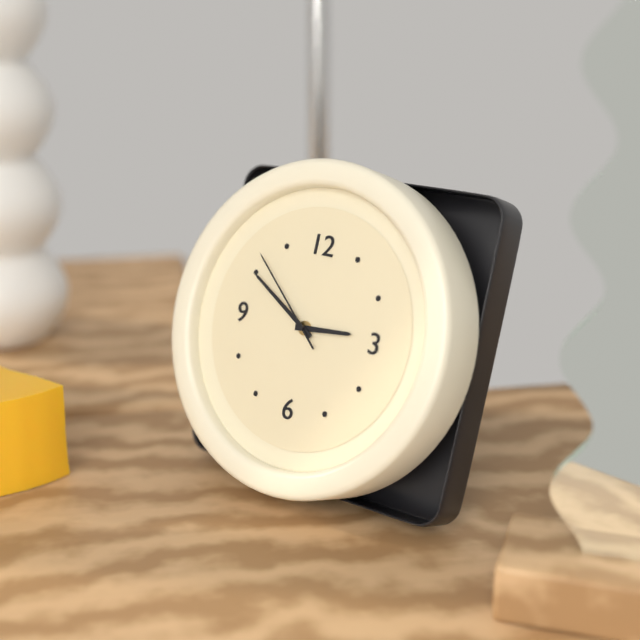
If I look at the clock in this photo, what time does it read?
2:50:52
